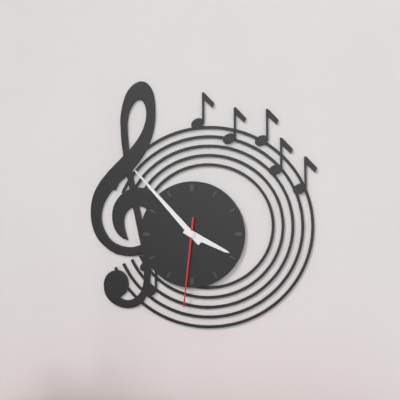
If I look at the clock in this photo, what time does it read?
3:53:31
